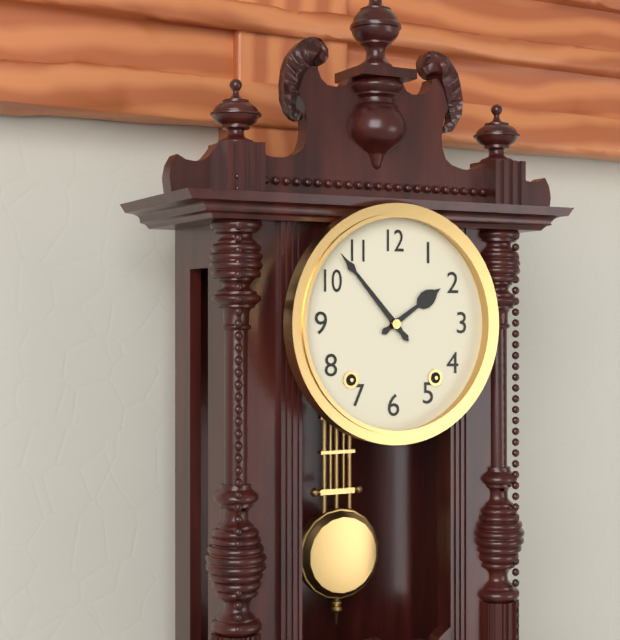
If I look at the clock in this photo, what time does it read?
1:53
